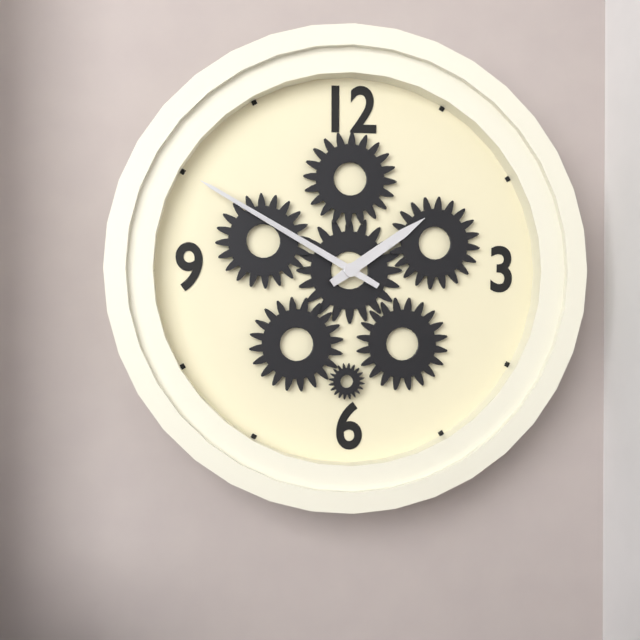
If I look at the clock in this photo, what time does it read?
1:50
